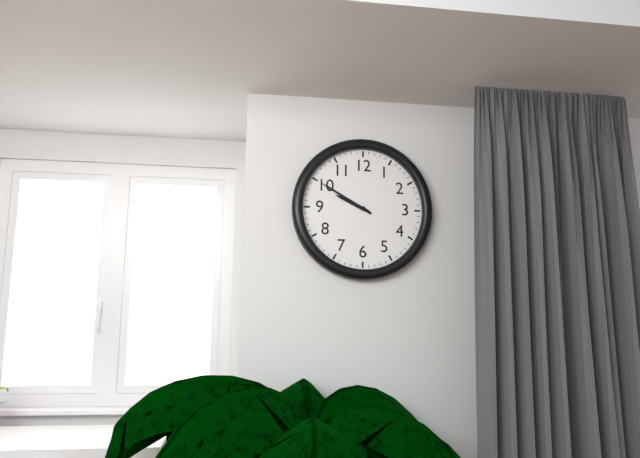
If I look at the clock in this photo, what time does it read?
9:50
